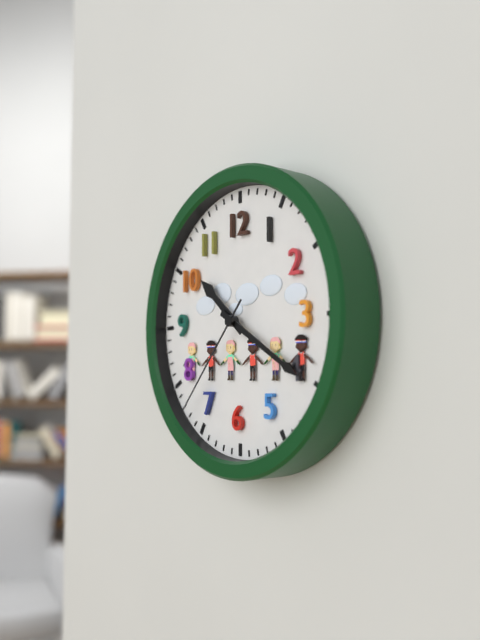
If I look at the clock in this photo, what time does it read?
10:20:37
